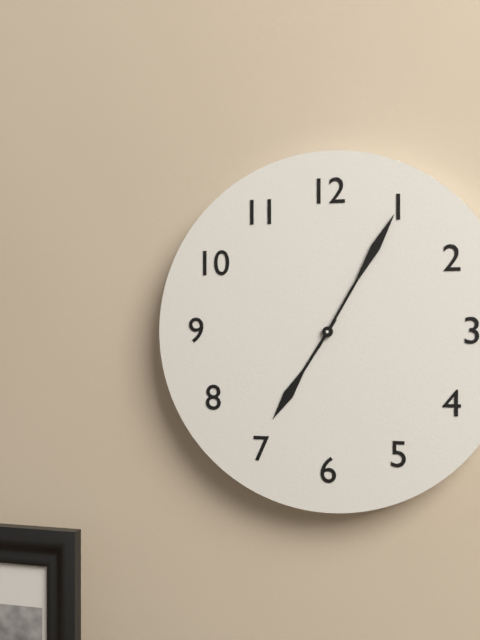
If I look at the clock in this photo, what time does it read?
7:05
